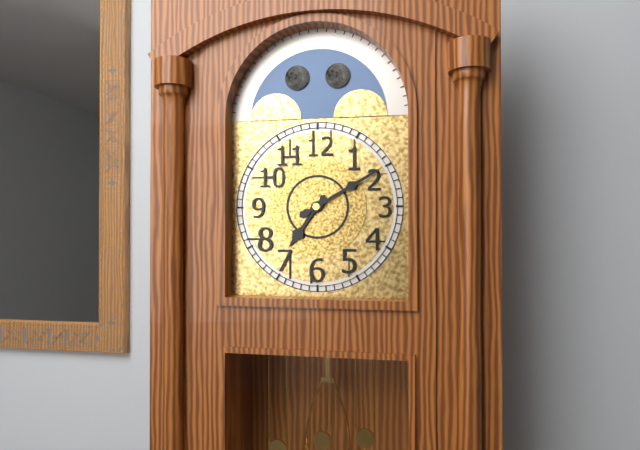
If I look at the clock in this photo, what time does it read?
7:10
